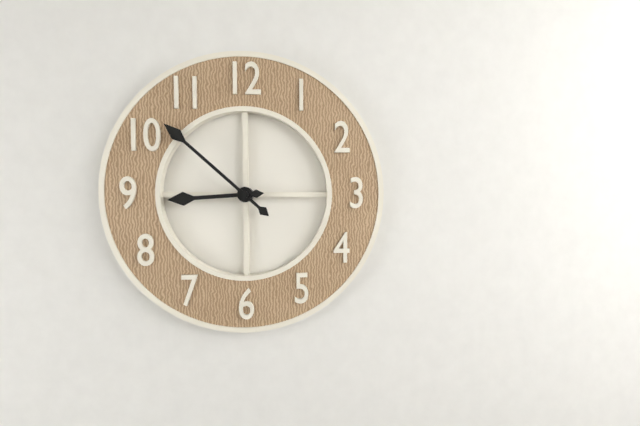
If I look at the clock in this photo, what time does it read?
8:52
